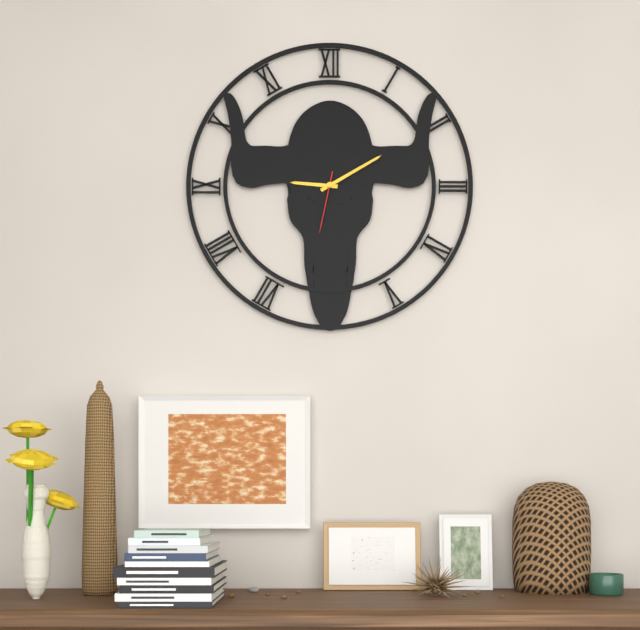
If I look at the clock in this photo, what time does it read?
9:10:32
